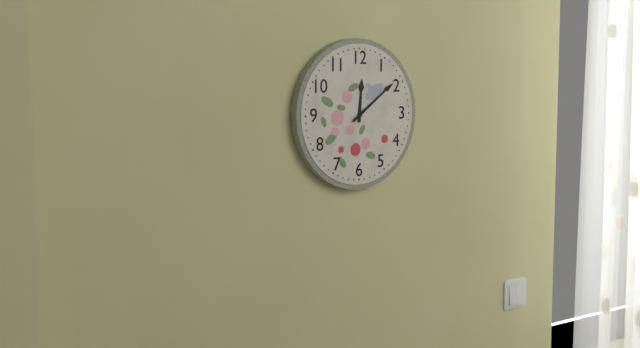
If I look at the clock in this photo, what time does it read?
12:09
